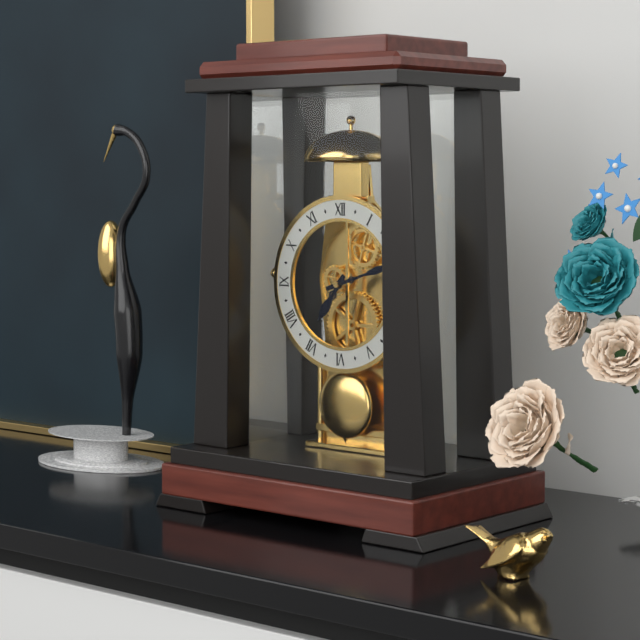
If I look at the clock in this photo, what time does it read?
7:12
